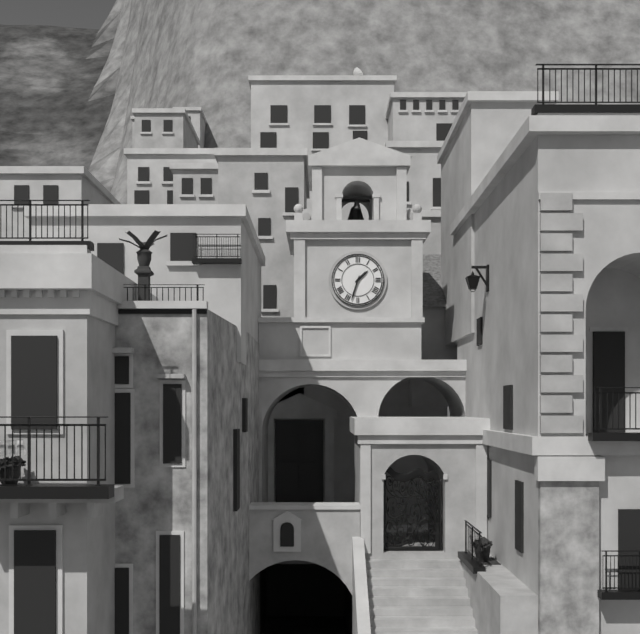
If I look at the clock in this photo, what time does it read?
1:33
